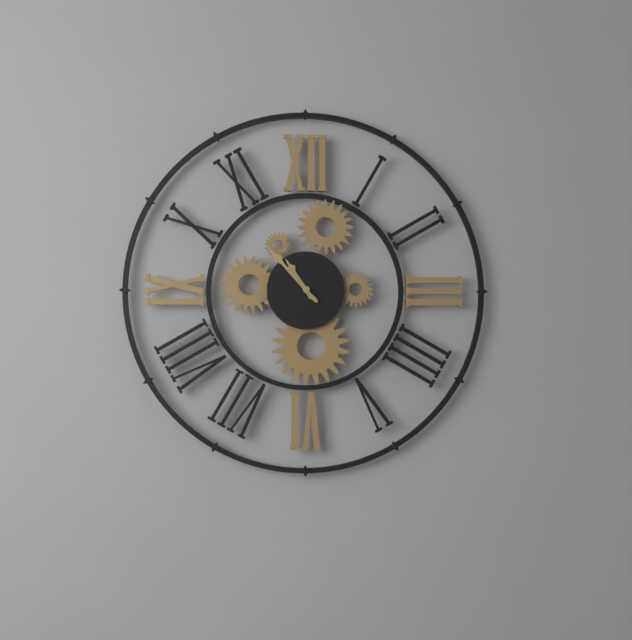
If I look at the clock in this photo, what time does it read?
10:53
